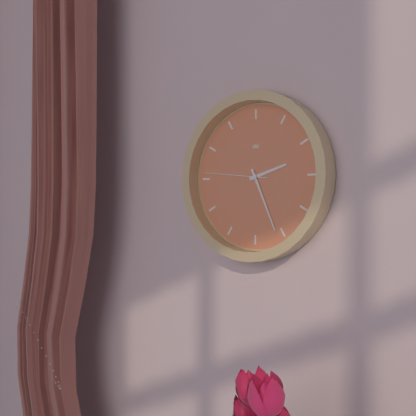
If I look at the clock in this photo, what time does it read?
2:26:46
